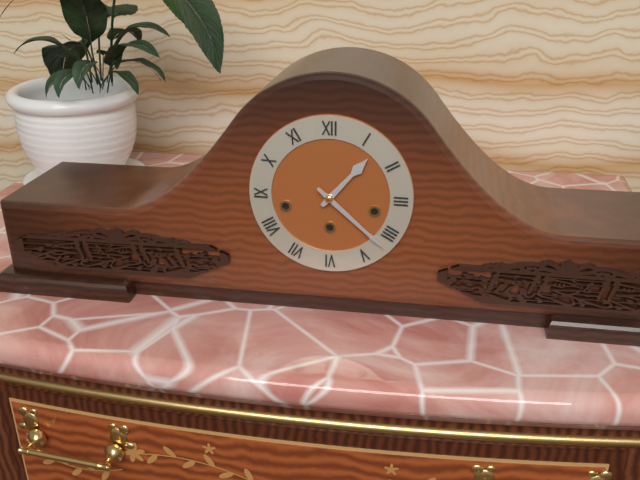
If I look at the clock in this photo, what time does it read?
1:22
